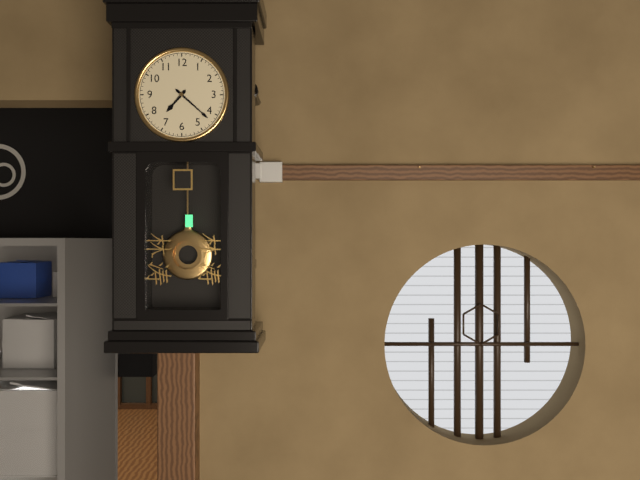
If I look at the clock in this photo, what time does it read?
7:22
